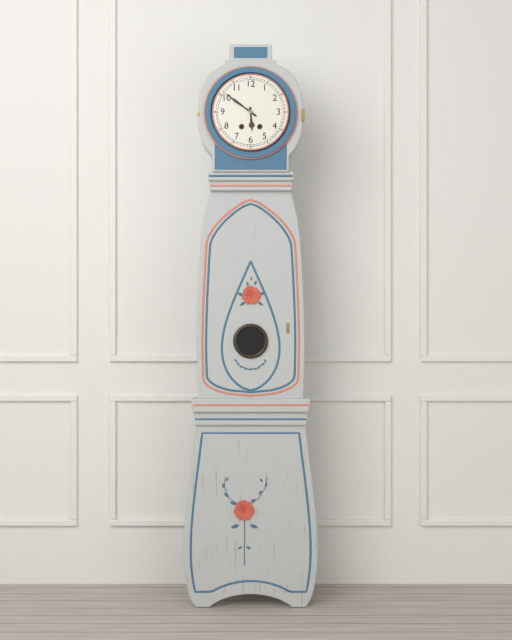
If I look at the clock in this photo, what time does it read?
5:51
